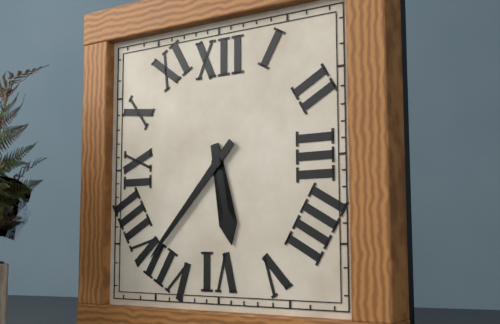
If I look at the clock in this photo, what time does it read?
5:37
